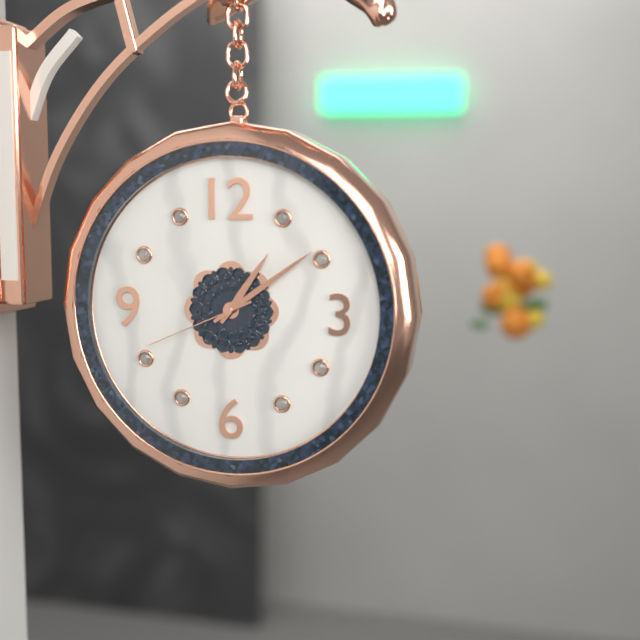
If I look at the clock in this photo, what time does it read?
1:09:41
